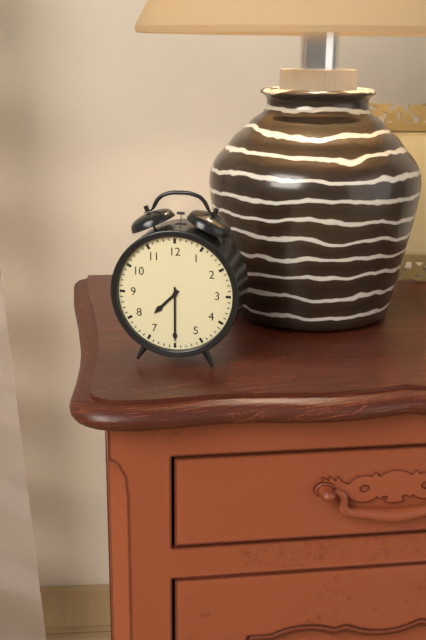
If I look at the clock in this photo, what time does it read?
7:30
